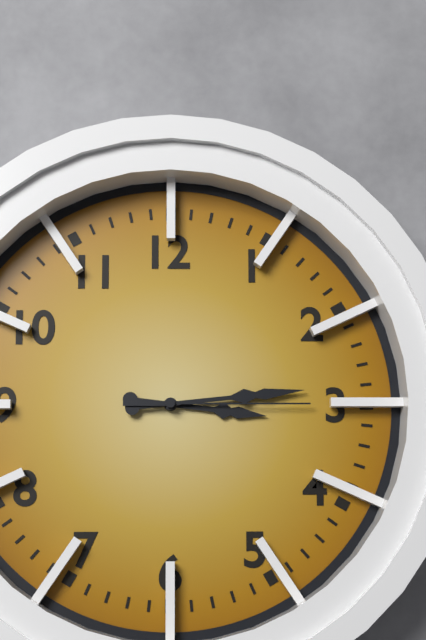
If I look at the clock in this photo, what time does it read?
3:14:15
